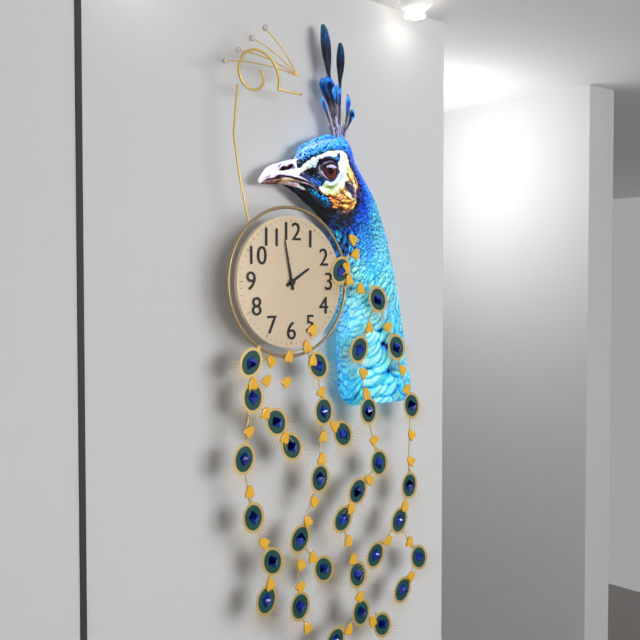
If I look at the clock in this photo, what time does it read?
1:58
